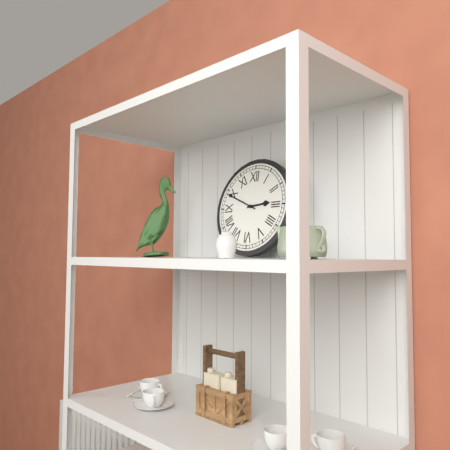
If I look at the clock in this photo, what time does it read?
2:49
